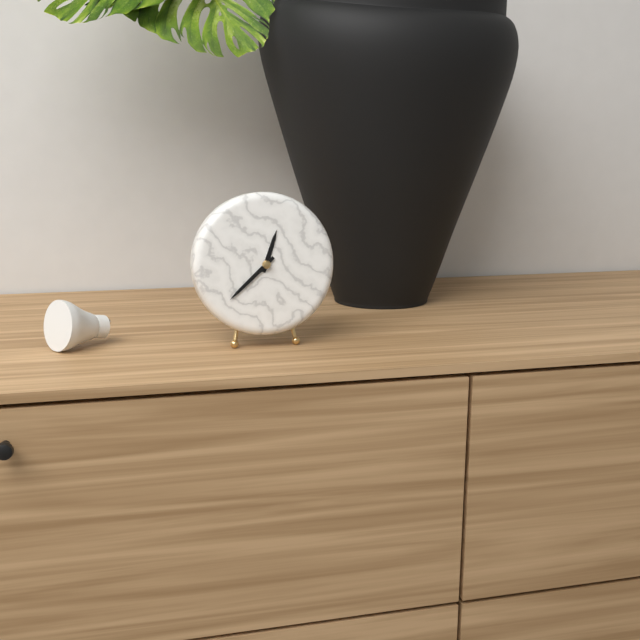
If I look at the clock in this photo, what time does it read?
12:38
